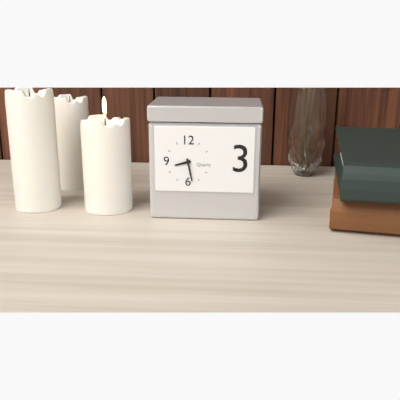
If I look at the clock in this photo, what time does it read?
8:28
